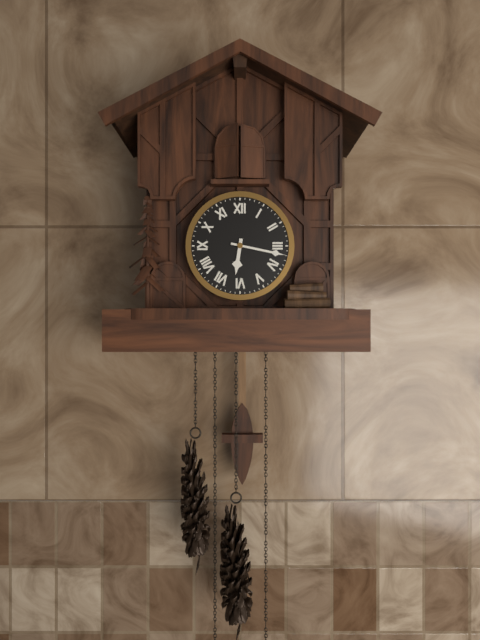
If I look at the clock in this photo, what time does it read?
6:17
